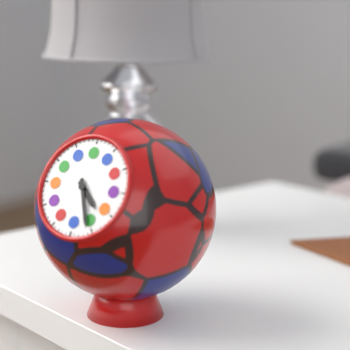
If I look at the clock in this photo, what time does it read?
4:26
